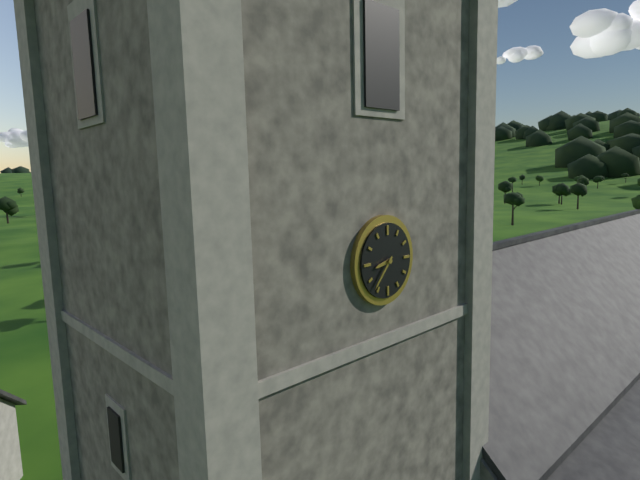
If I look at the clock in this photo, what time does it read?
8:37
